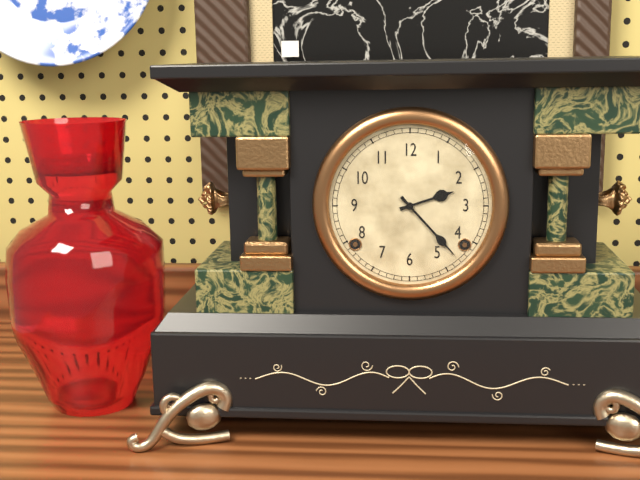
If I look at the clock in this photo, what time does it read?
2:23
